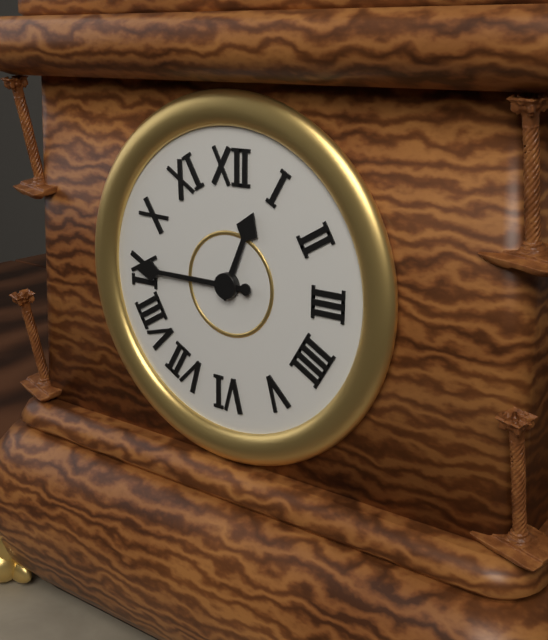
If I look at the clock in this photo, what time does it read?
12:45
